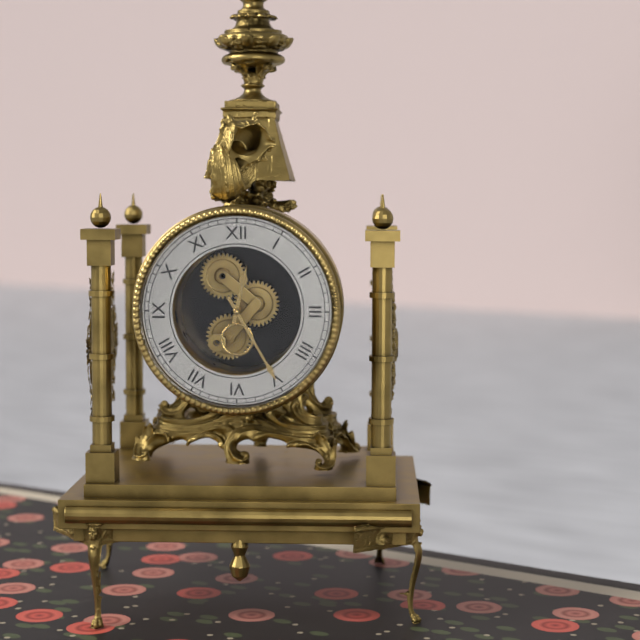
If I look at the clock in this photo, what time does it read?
12:25
